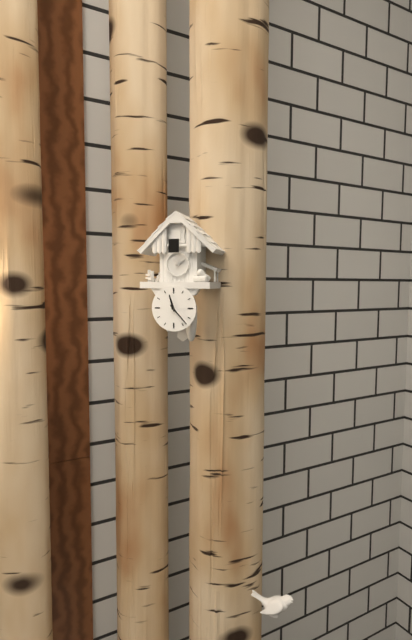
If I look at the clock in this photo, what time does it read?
11:23
